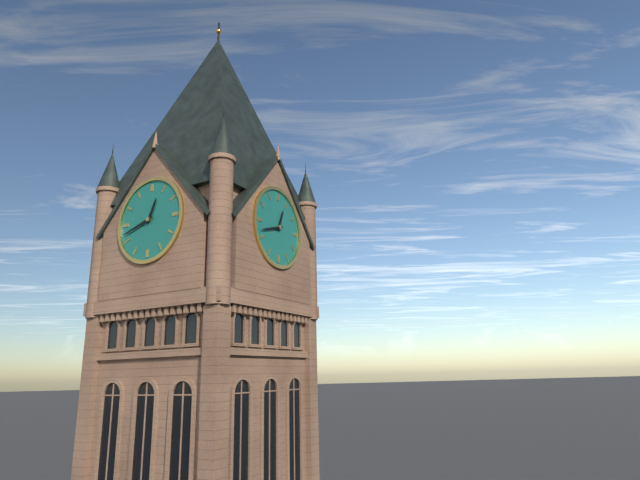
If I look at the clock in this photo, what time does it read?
12:42
